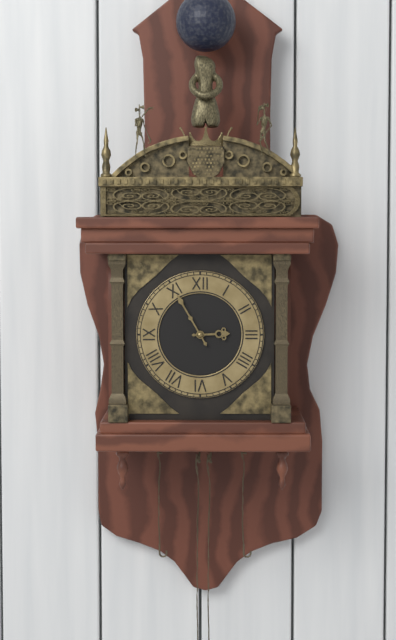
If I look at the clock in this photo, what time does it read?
2:55
